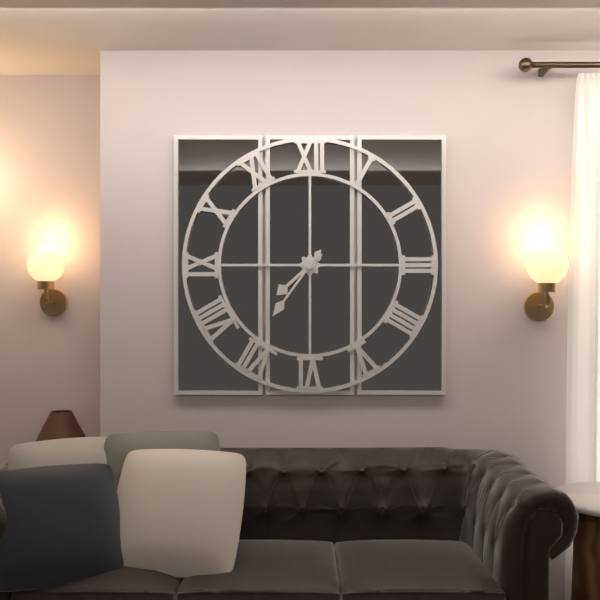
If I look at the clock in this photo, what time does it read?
7:36
